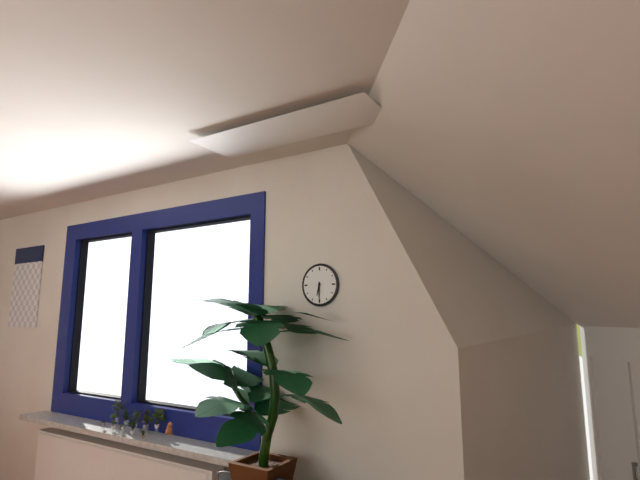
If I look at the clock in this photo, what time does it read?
6:30
